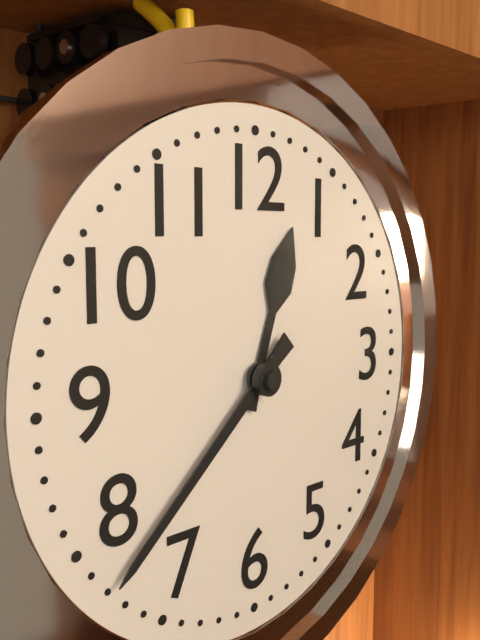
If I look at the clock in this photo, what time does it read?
12:38
